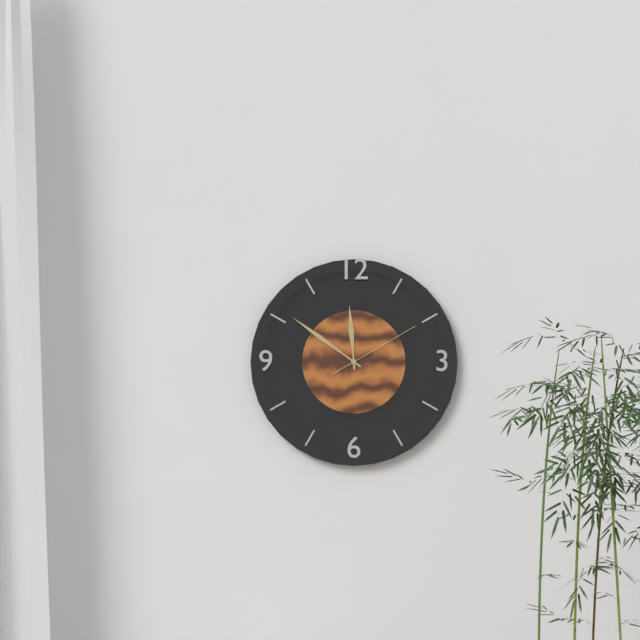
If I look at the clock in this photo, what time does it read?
11:51:10
